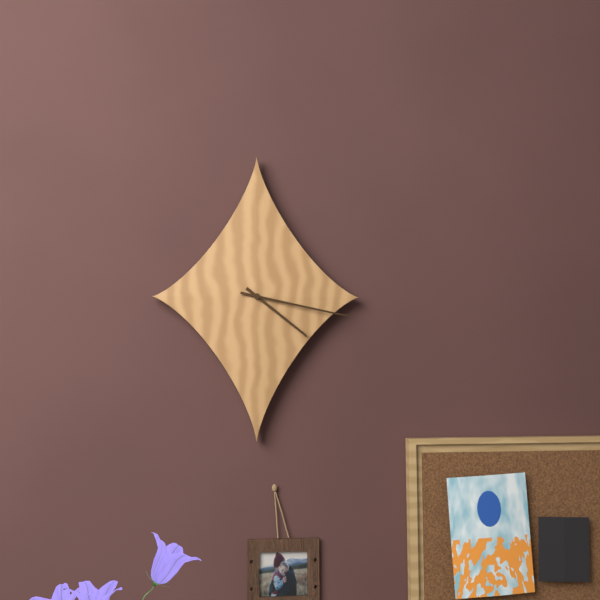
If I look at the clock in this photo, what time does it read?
4:17
